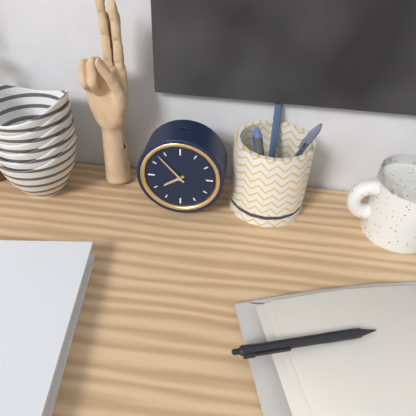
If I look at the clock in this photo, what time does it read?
7:53
